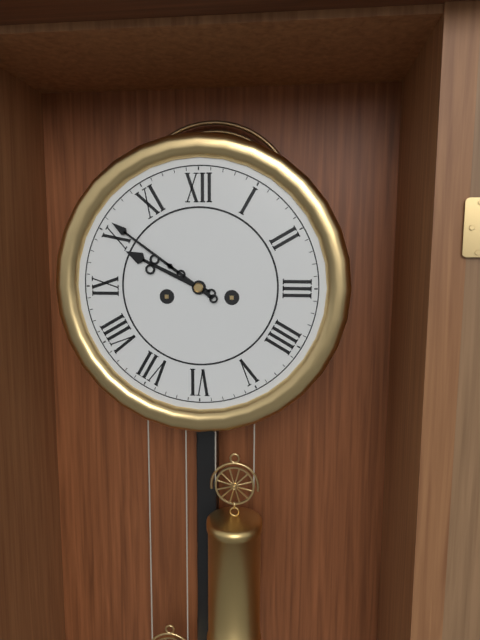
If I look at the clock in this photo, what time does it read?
9:51
